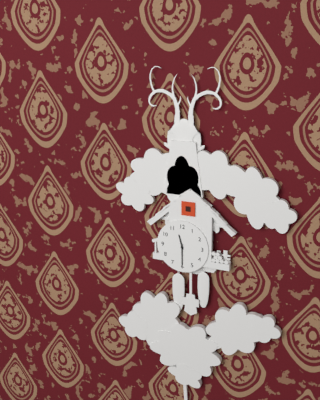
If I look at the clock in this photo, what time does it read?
11:30
